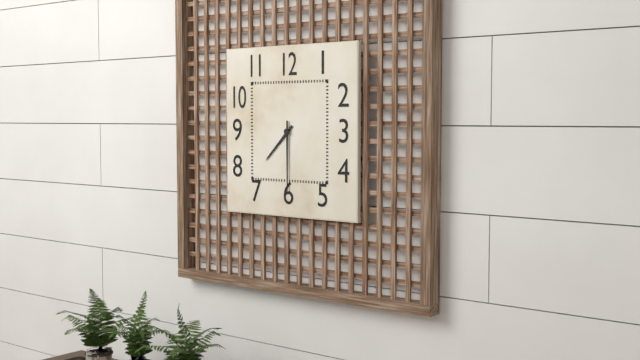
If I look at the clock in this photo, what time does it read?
7:30
